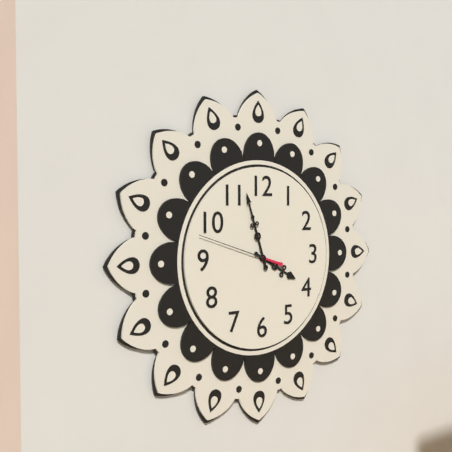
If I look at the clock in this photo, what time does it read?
3:57:48
